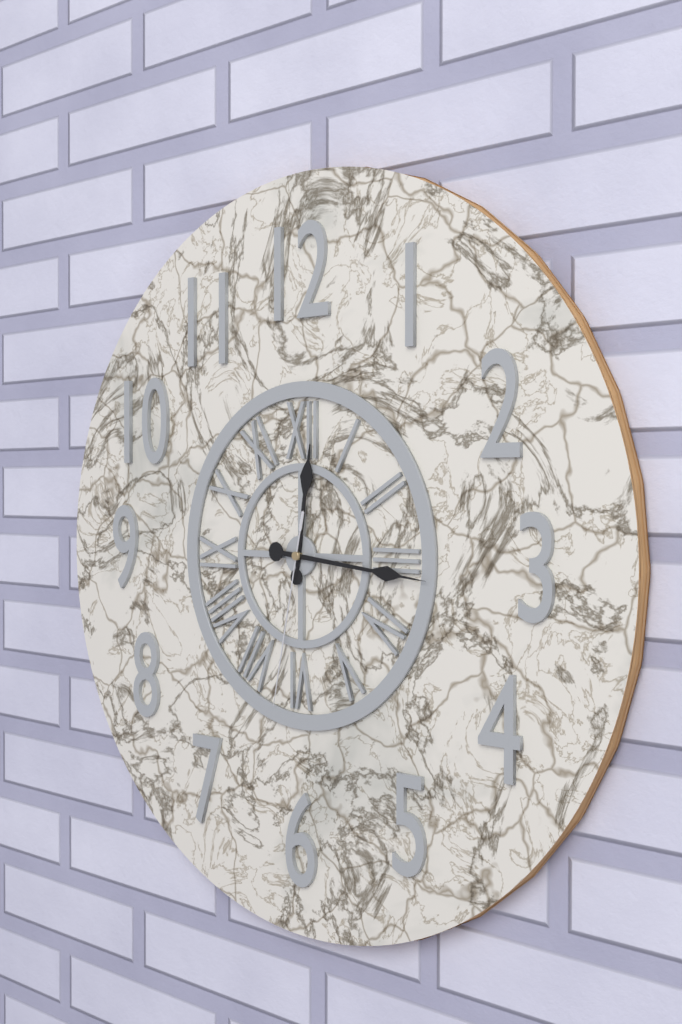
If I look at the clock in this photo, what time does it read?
12:16:32
